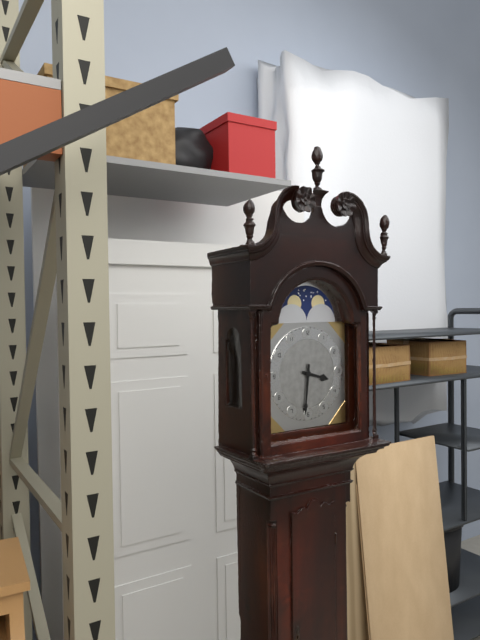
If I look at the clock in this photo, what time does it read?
3:31
